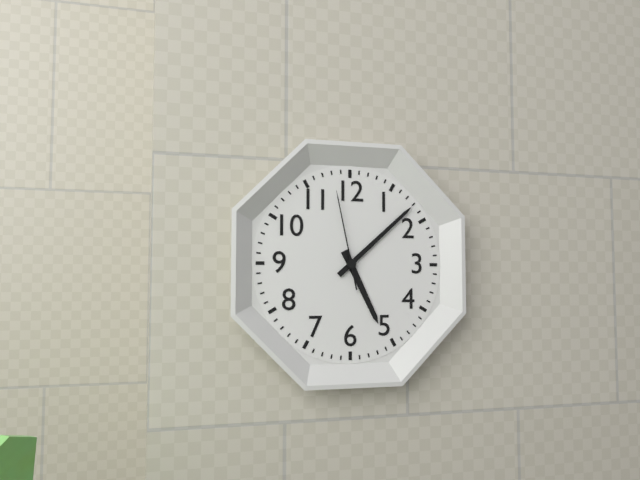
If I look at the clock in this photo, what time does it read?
5:08:58
